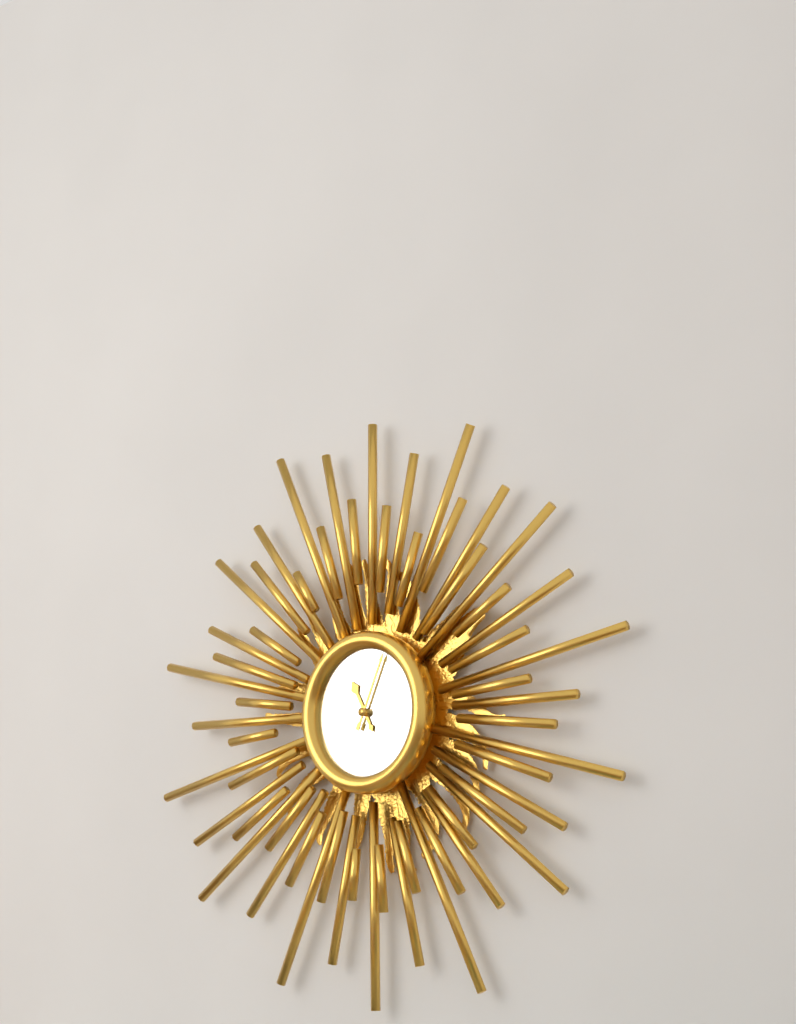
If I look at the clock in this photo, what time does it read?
11:04
